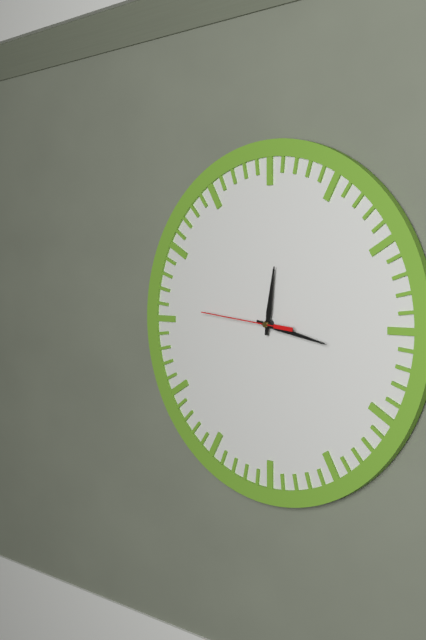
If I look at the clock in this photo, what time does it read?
12:17:46
